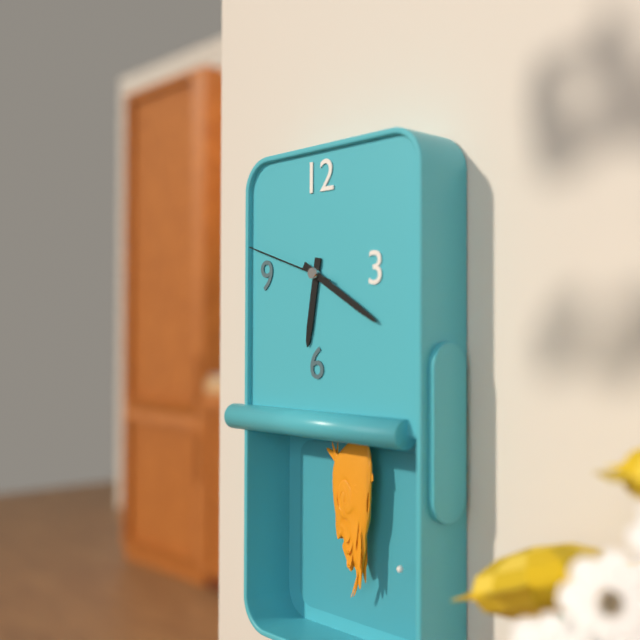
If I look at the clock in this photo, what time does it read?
6:20:48
